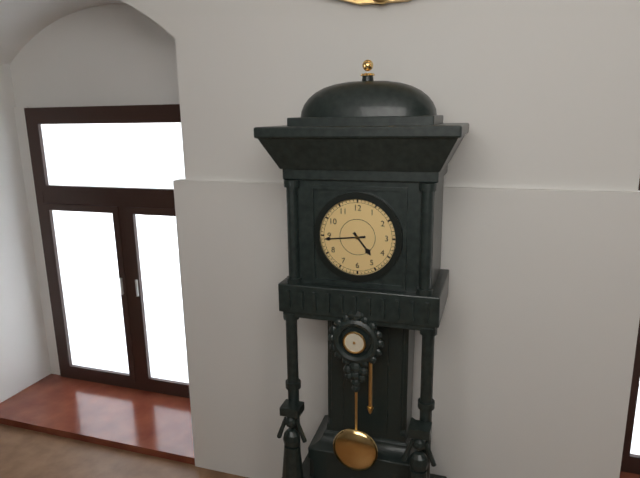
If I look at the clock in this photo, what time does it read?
4:44
